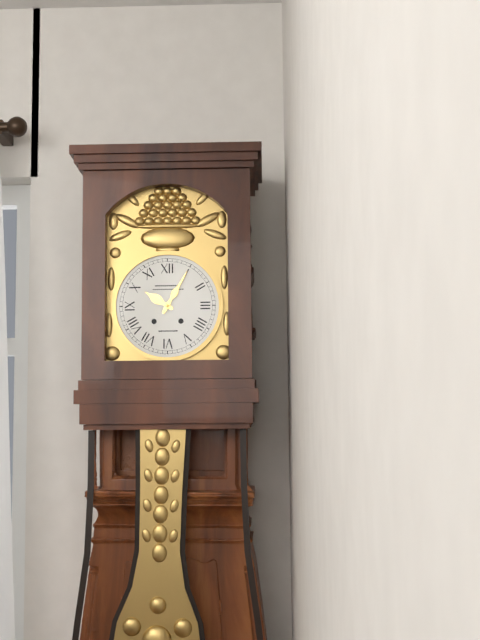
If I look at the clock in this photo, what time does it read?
10:05
